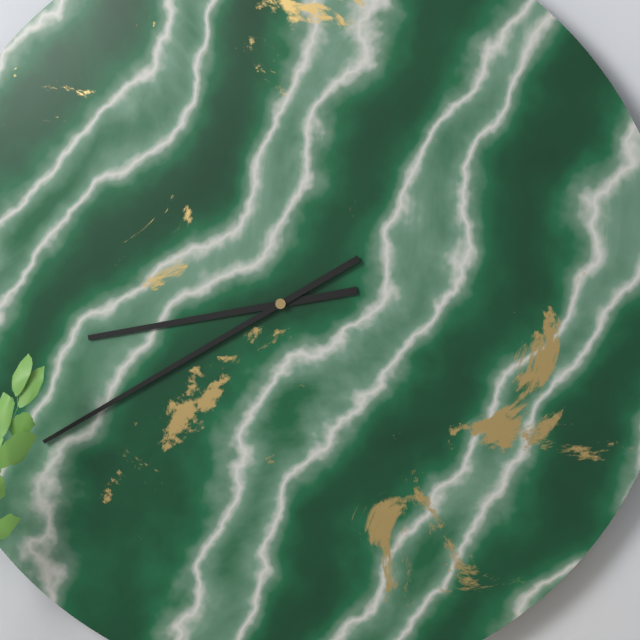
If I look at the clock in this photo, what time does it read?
8:40
